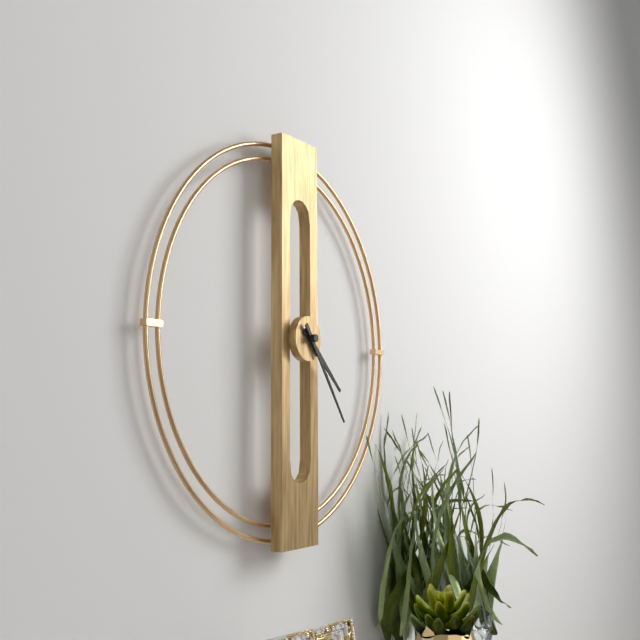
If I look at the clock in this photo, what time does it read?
4:24
